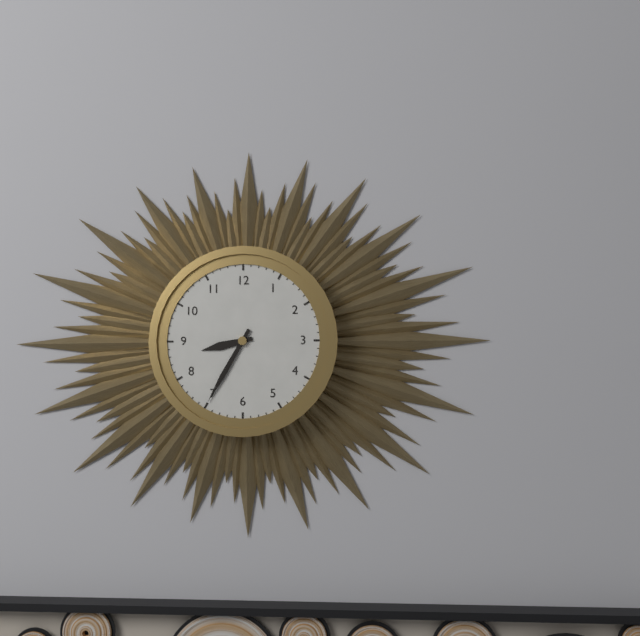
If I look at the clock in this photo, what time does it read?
8:35
